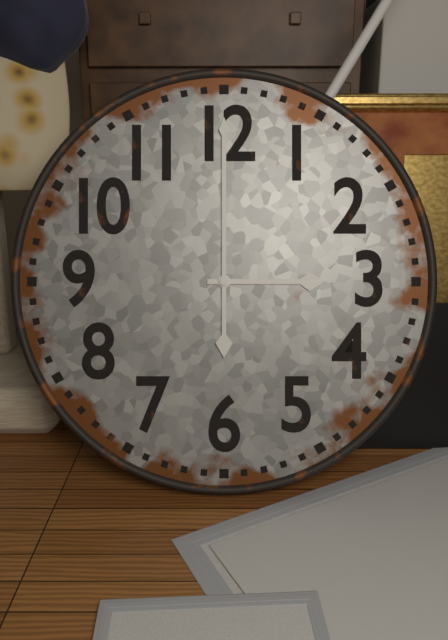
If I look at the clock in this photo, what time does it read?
3:00
